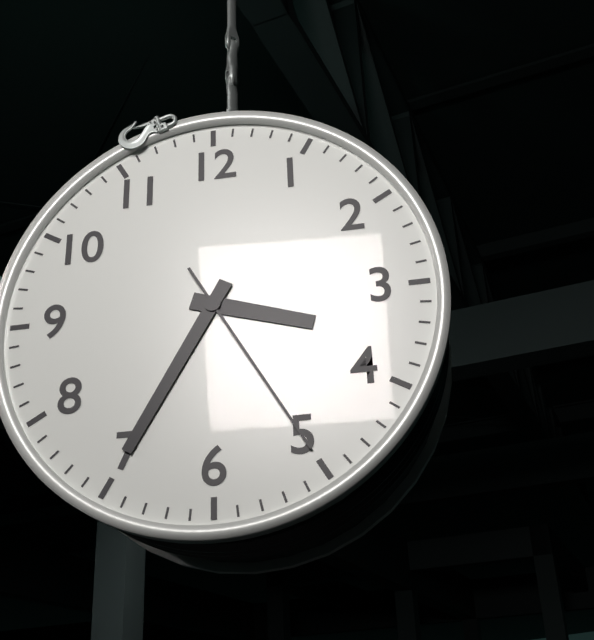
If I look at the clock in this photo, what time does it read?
3:35:25
